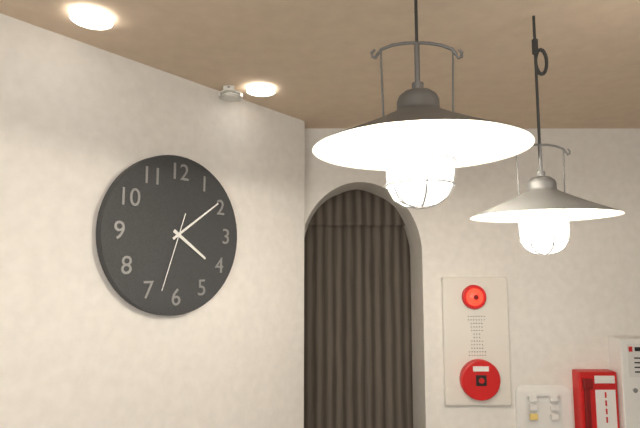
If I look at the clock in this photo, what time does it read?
4:09:33
